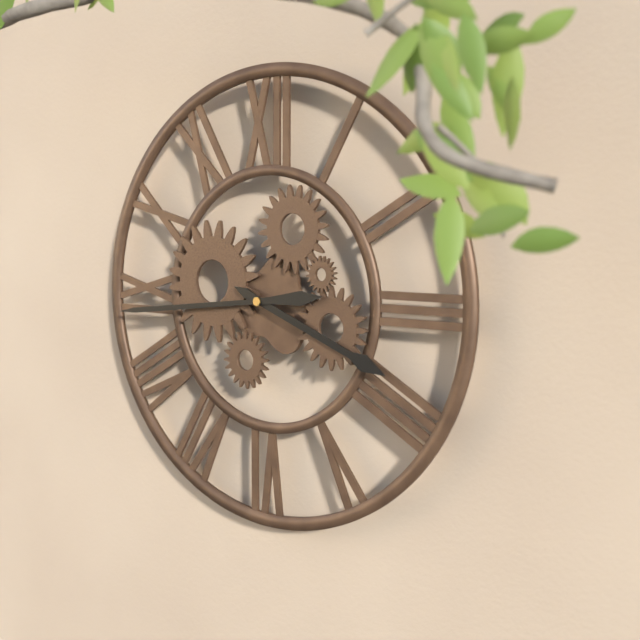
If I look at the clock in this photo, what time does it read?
3:44
